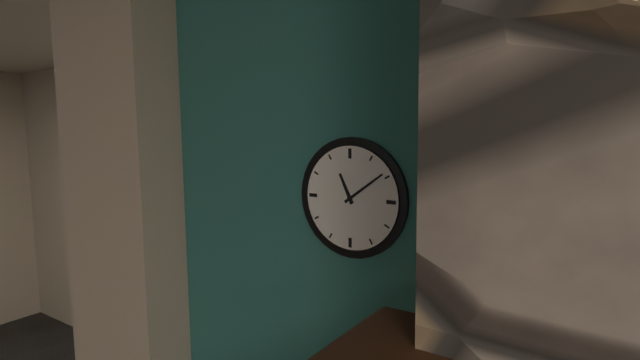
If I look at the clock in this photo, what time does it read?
11:09
